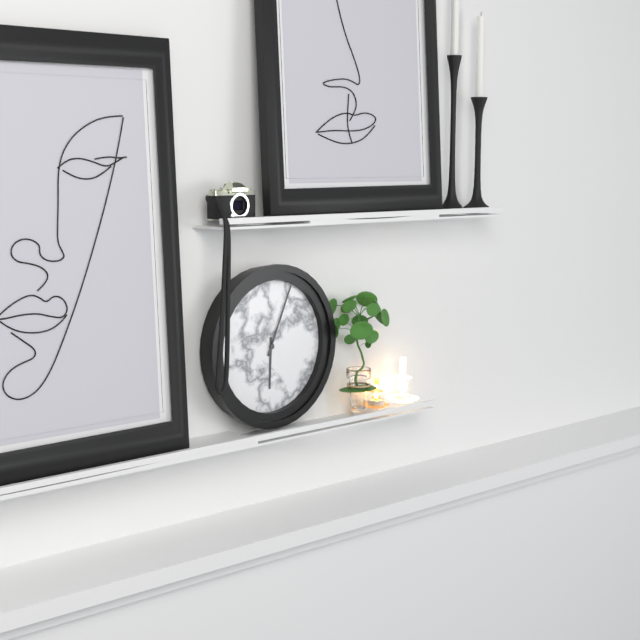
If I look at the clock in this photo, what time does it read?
6:04
